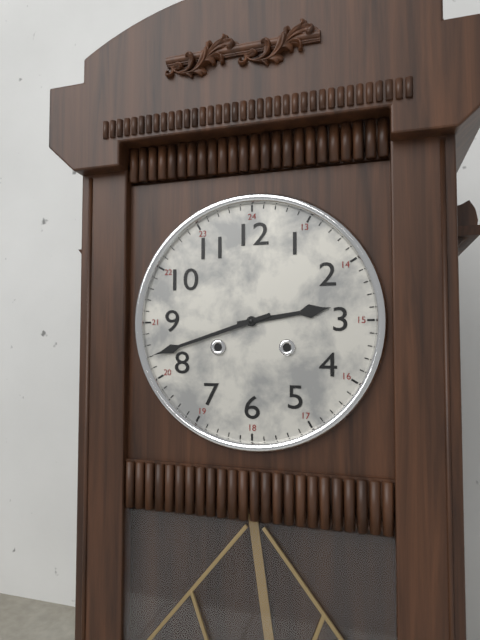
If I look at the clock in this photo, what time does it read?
2:42
